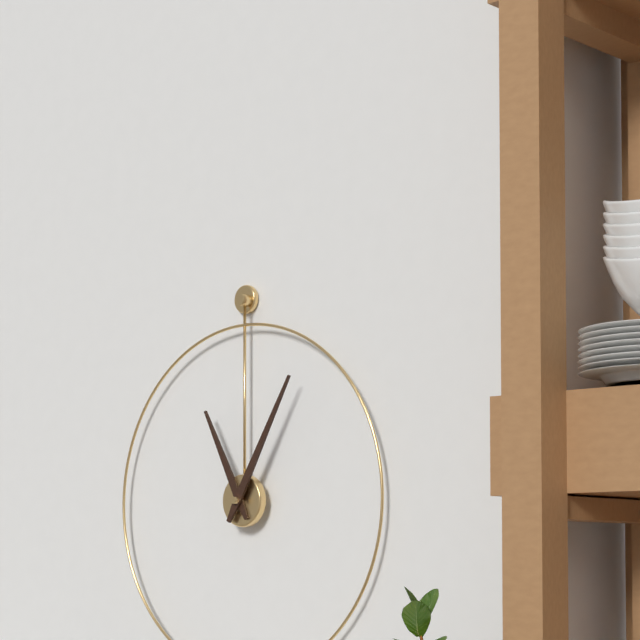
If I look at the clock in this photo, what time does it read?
11:05
